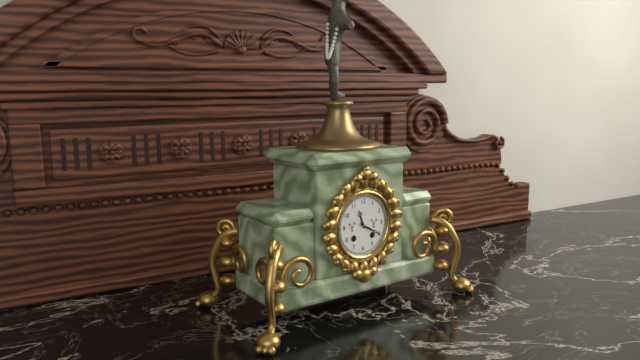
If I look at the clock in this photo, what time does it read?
11:20
